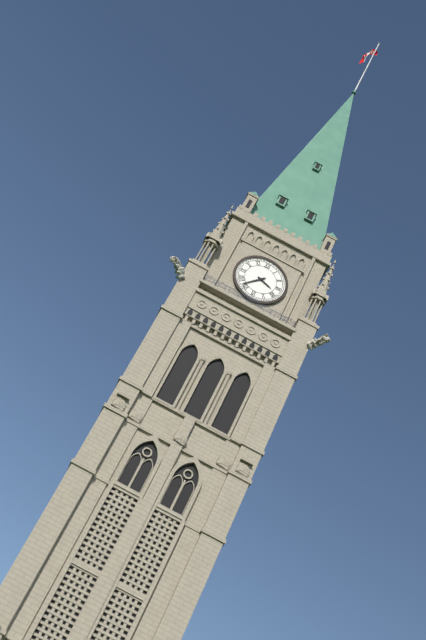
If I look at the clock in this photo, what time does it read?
3:37
